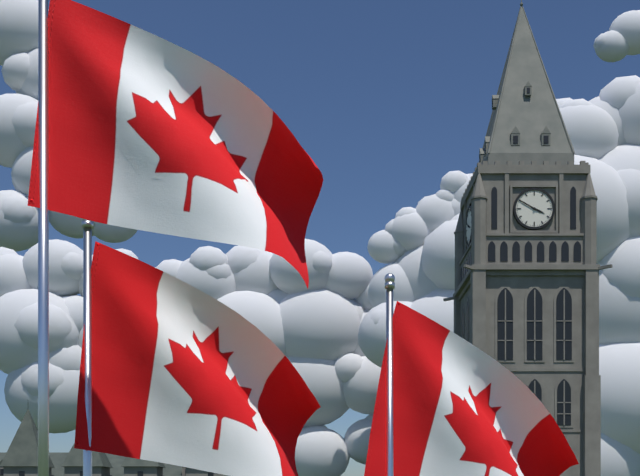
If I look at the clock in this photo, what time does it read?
3:50
